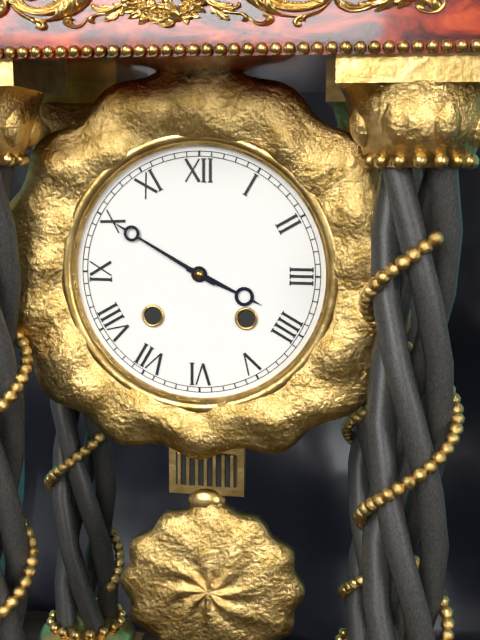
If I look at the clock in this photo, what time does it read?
3:50
